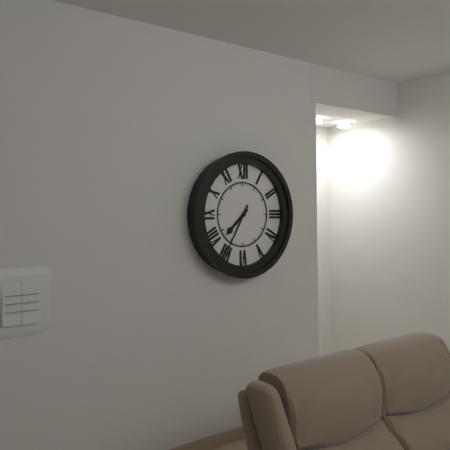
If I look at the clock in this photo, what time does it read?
7:35
